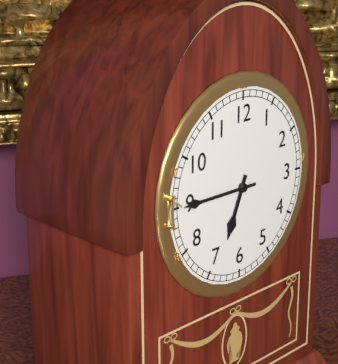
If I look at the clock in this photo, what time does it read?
6:45
